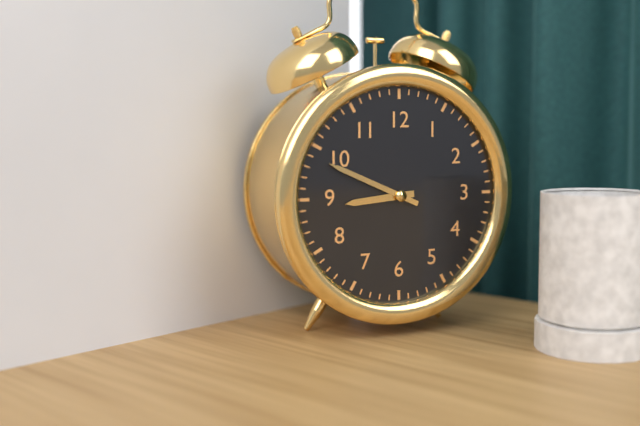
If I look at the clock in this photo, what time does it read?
8:49
